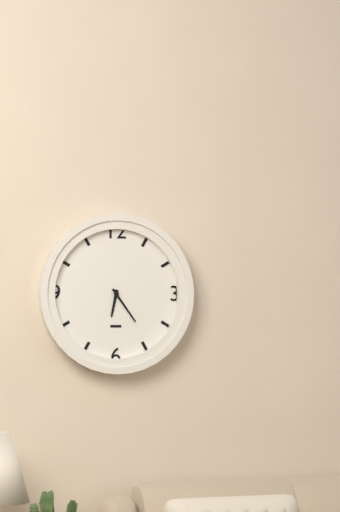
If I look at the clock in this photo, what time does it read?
6:24
